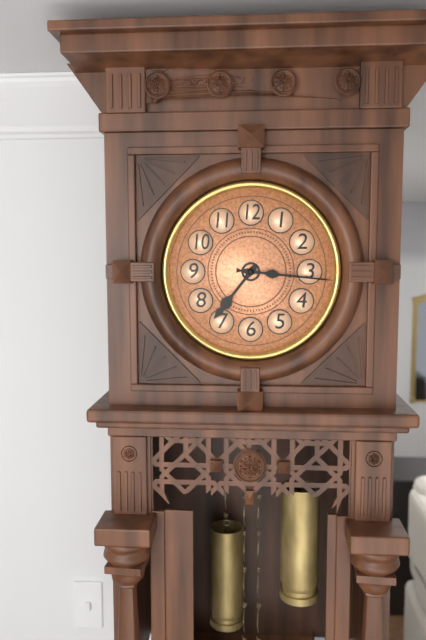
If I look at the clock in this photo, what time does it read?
7:16
